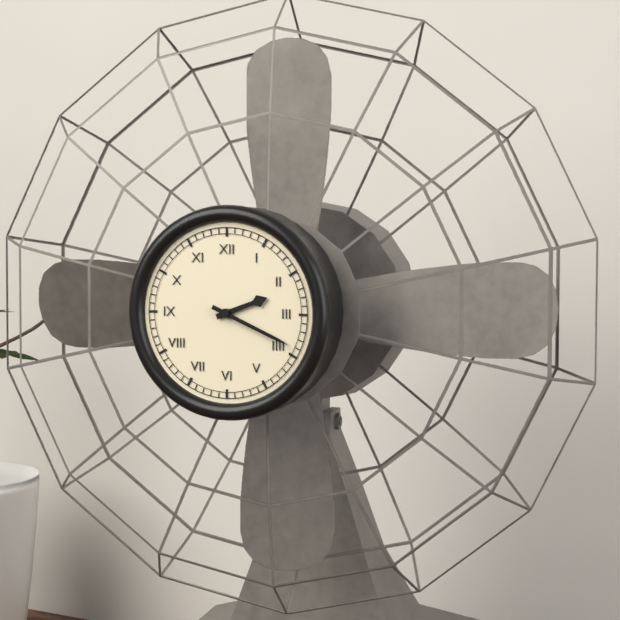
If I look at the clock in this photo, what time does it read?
2:19
